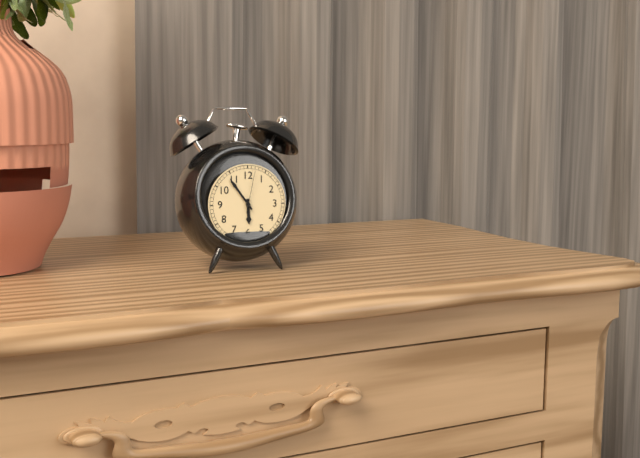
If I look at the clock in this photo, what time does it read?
5:54
